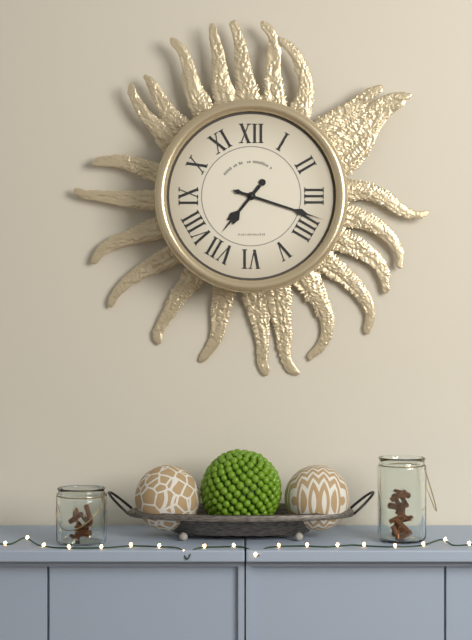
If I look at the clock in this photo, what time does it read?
7:18
